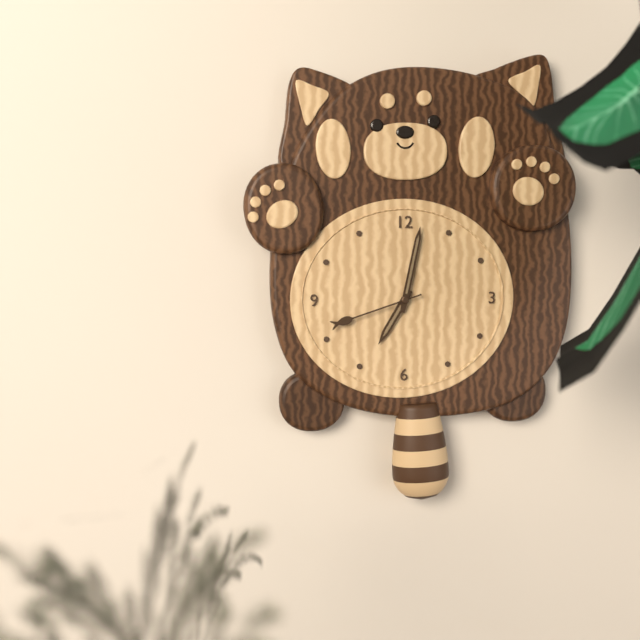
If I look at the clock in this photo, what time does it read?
7:02:42
